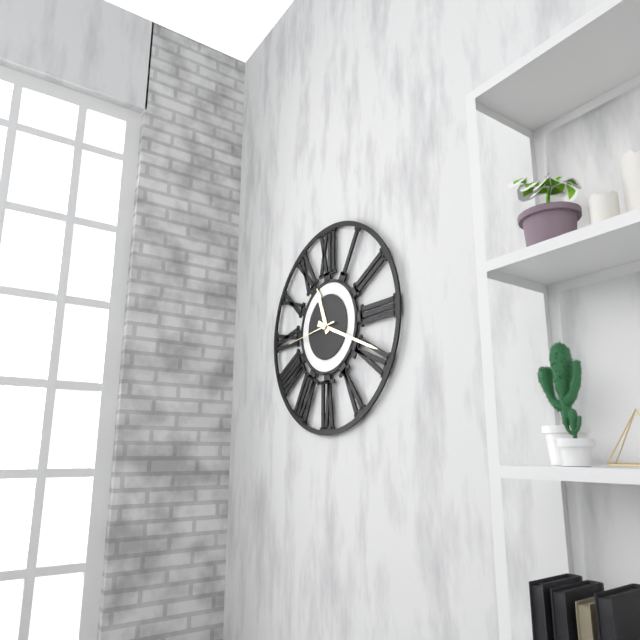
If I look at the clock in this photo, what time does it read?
11:19:44
